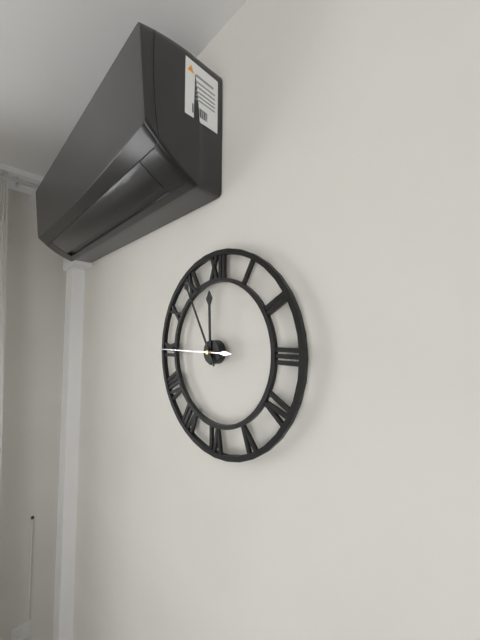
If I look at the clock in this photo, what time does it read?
11:55:45
